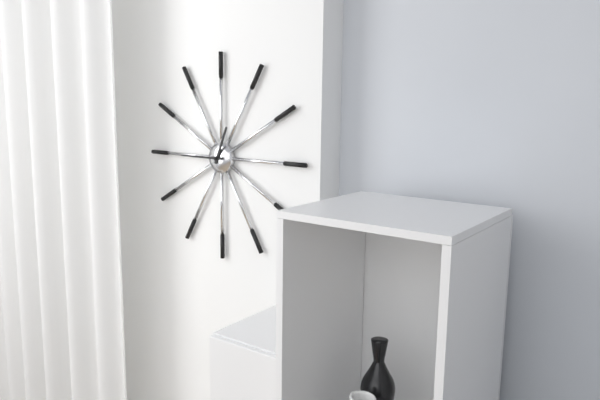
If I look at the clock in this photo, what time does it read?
12:45
